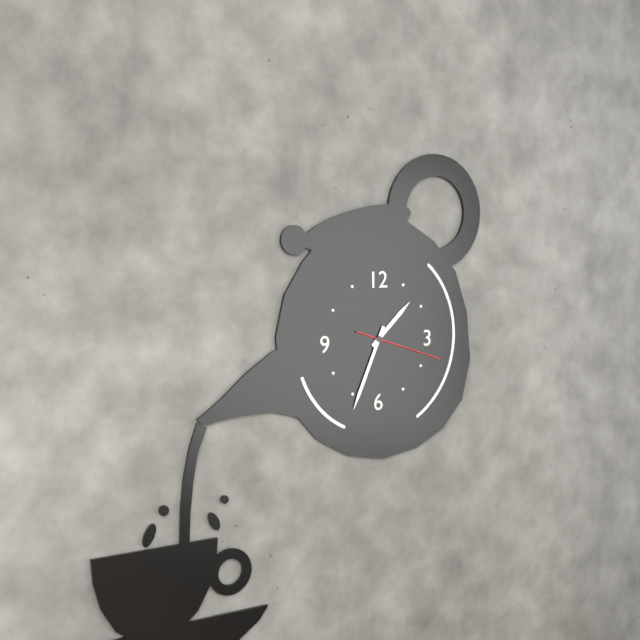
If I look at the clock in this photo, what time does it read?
1:34:18
